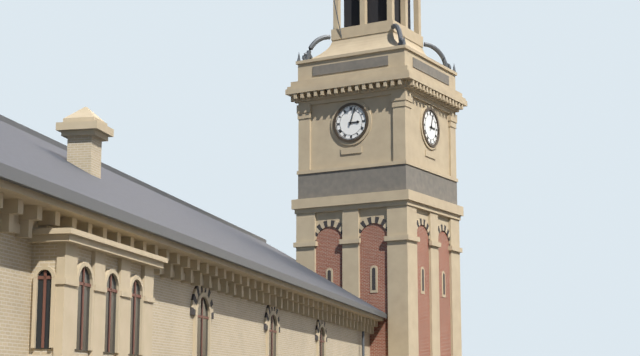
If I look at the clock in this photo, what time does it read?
3:03
